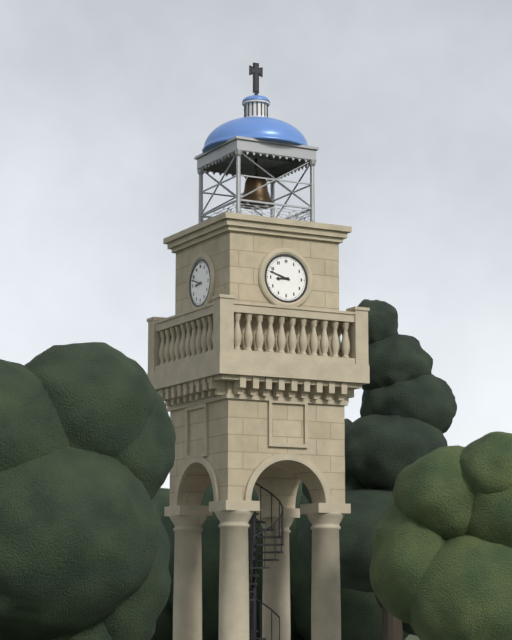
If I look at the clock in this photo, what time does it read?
8:48
